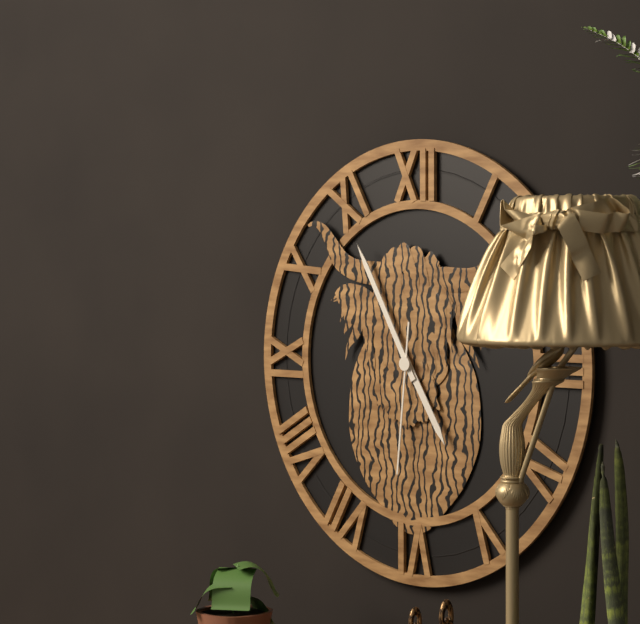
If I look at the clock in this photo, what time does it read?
4:55:31
